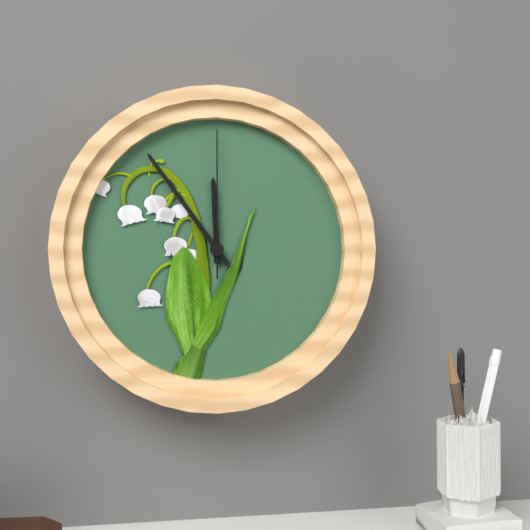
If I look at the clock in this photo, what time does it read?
11:54:00
